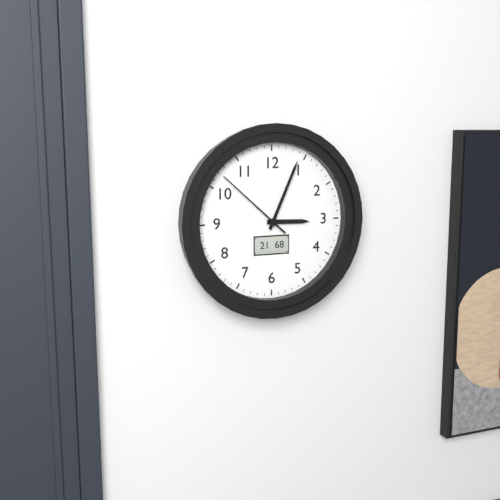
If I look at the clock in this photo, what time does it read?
3:04:52
